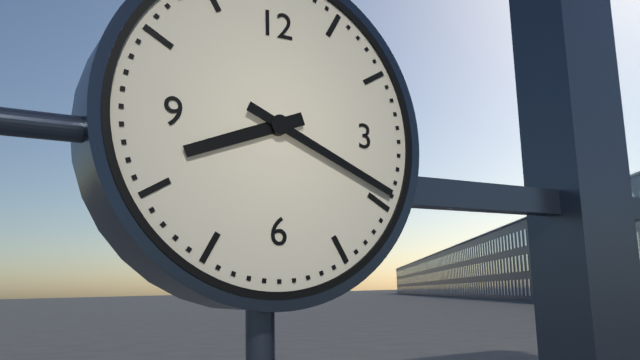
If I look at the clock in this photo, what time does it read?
8:19
